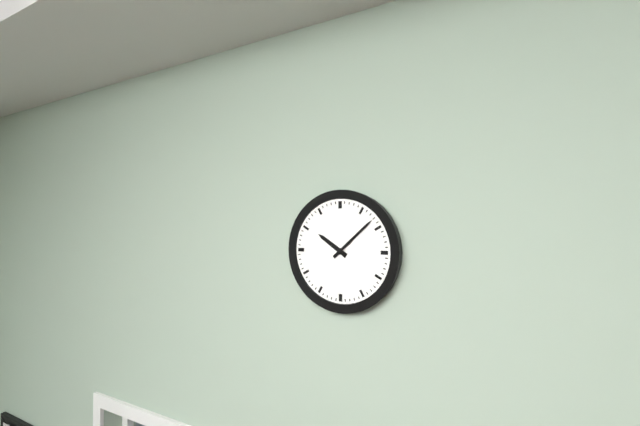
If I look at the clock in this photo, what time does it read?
10:08
